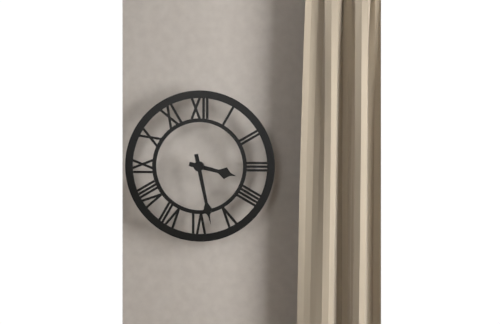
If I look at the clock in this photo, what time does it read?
3:28
